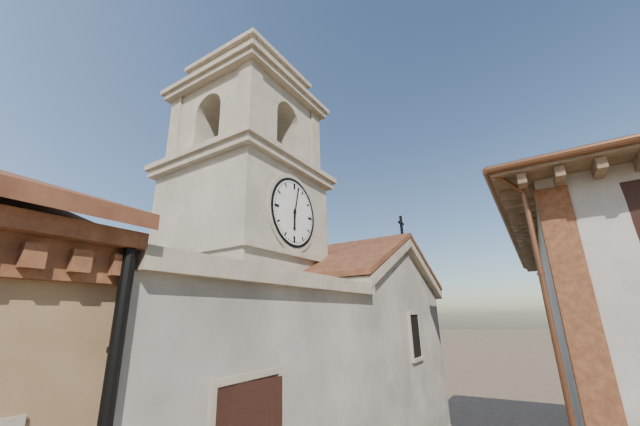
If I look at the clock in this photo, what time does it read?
6:02
